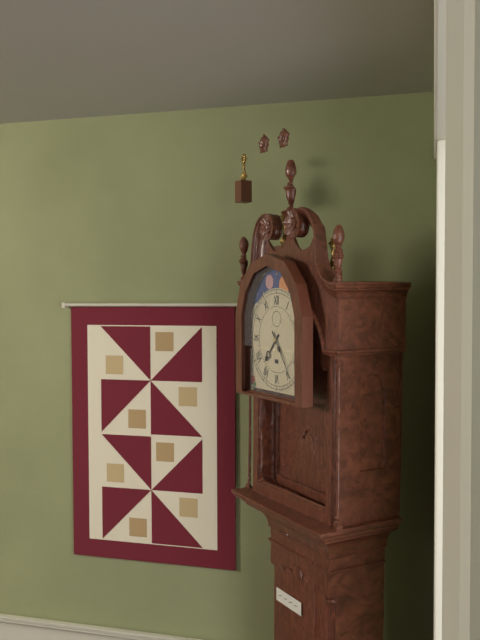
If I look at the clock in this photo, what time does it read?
7:24
